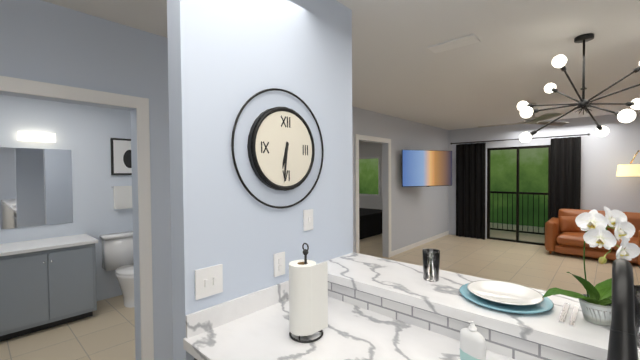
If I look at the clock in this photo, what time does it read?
6:31
